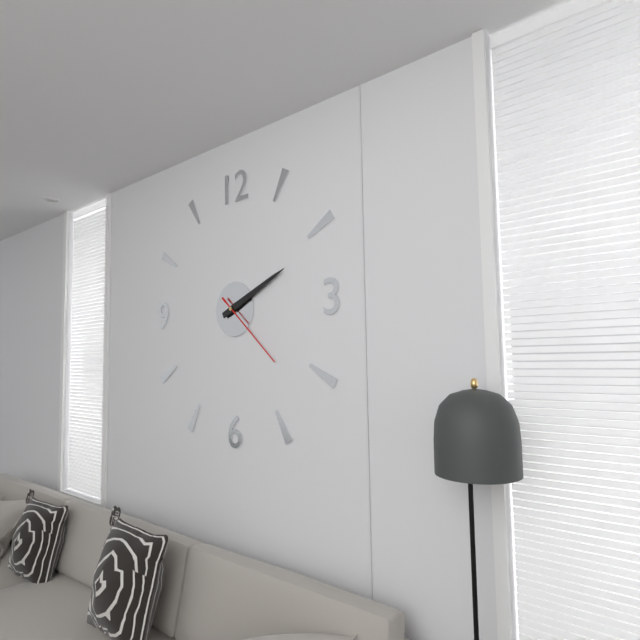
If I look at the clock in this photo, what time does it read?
2:11:22
